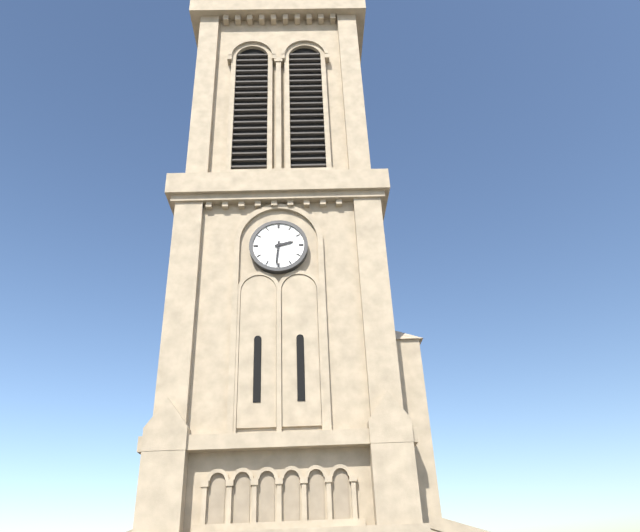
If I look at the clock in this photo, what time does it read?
2:31
